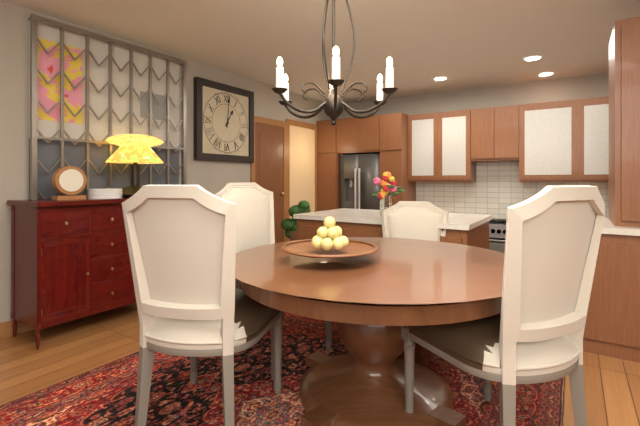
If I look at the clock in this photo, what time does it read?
1:01
